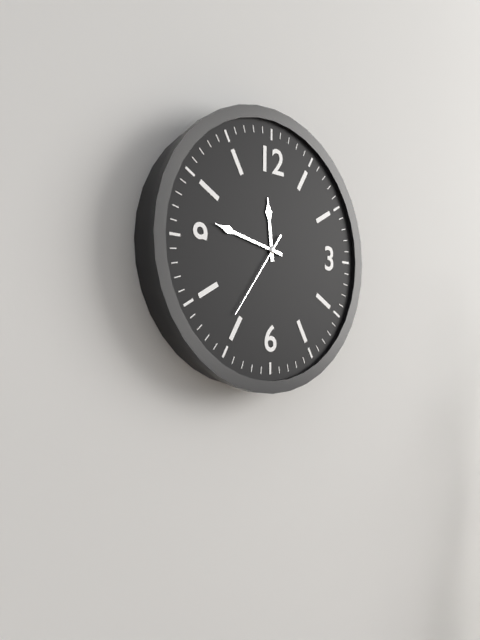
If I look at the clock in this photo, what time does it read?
11:47:36
